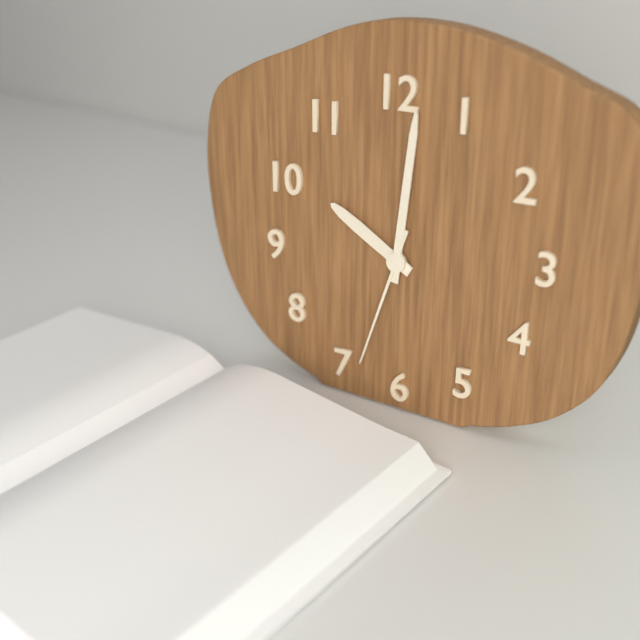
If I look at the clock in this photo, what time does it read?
10:01:33
